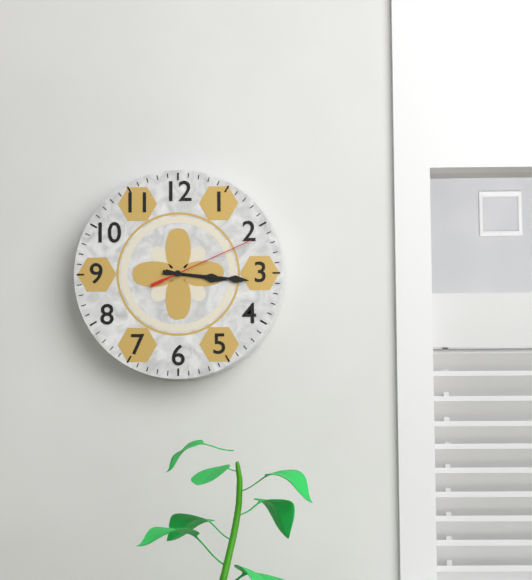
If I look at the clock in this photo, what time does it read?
3:16:11
